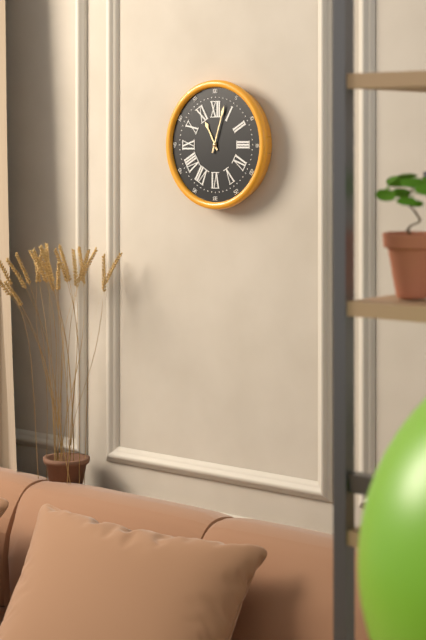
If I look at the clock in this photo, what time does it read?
11:03
